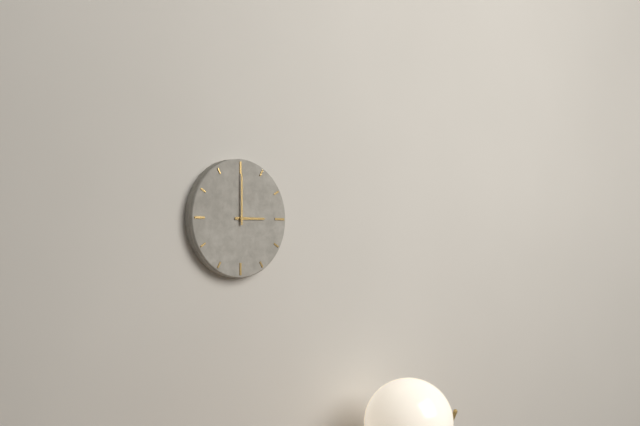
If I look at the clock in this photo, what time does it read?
3:00
